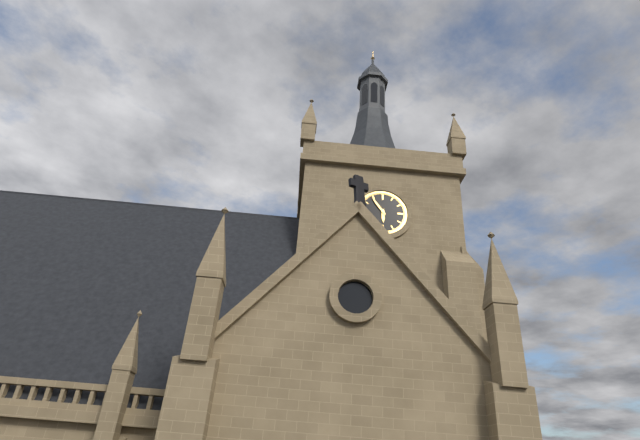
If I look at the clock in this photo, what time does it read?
5:54
